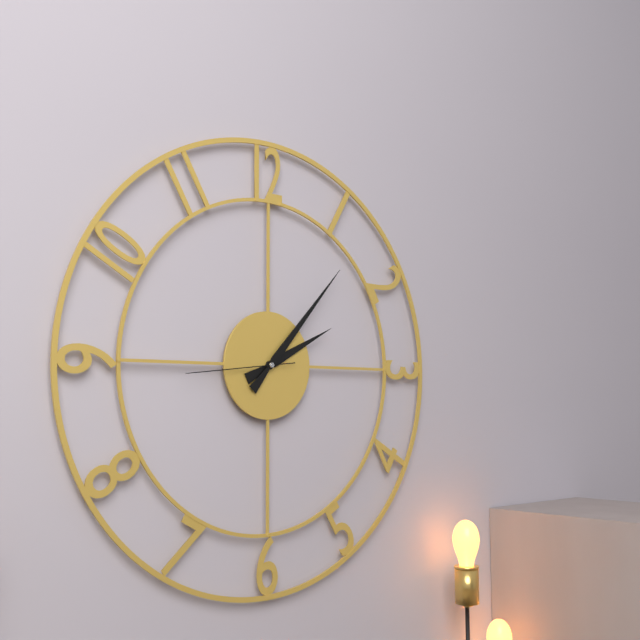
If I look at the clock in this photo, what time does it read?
2:07:44
